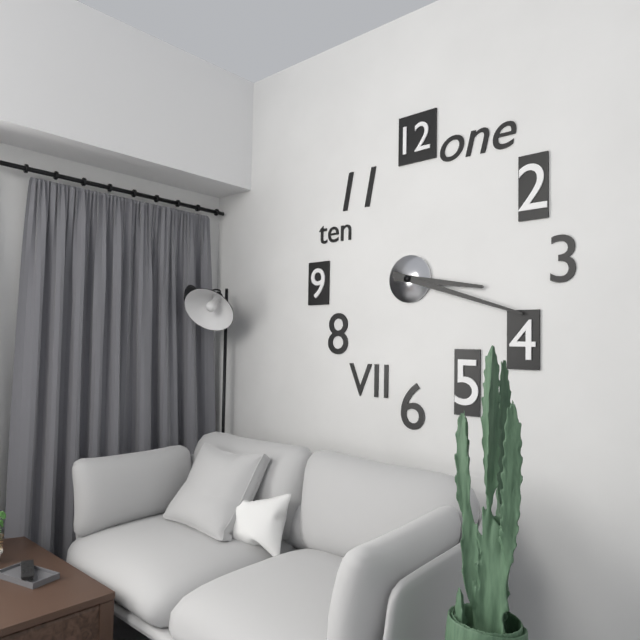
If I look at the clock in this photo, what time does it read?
3:18
